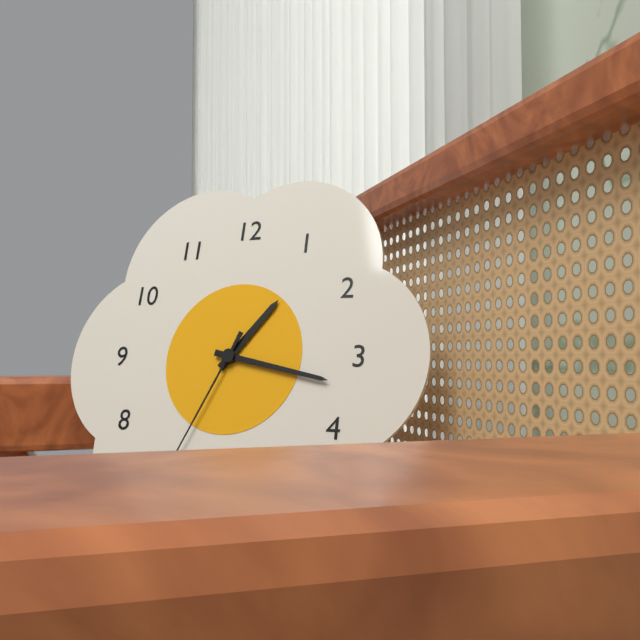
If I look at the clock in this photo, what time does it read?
1:17:34
